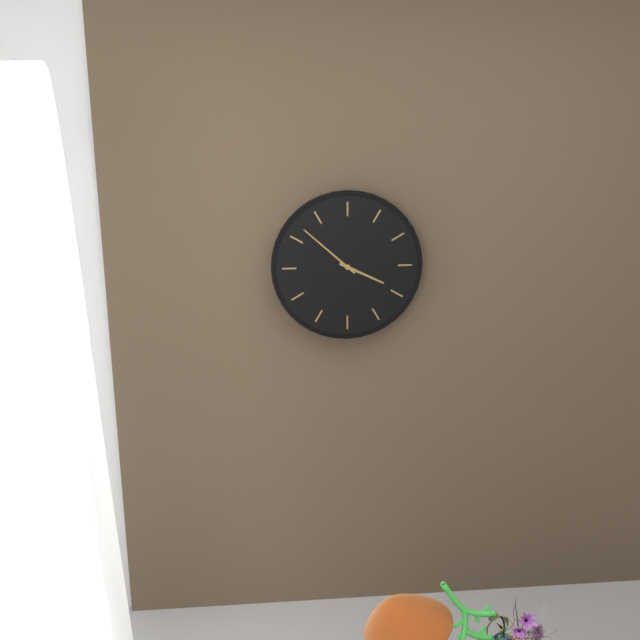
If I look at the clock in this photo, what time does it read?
3:52
